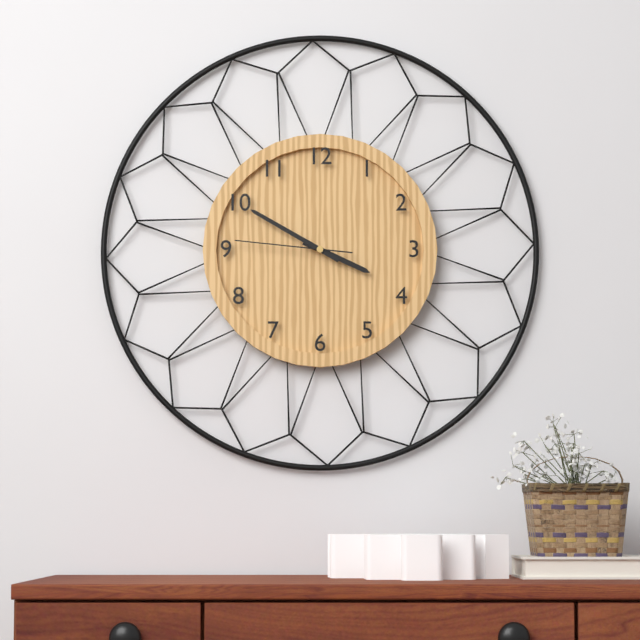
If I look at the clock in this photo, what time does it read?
3:50:46
